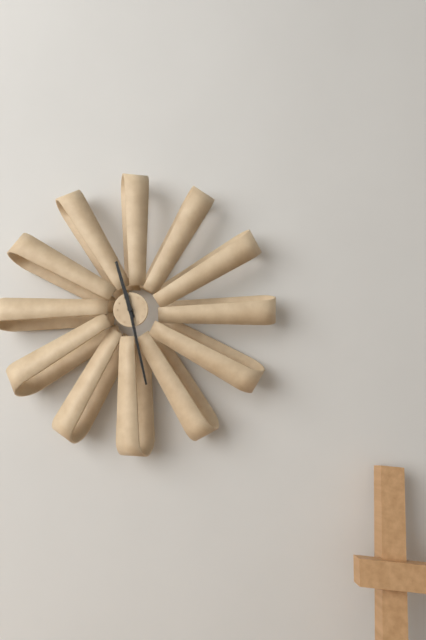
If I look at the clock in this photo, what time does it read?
11:28
